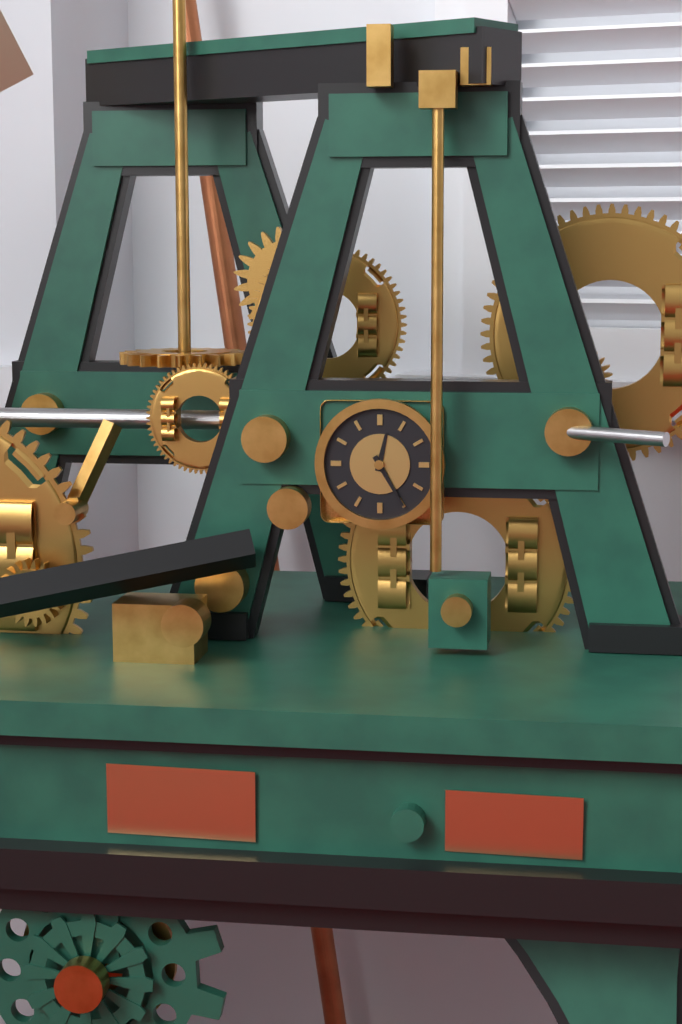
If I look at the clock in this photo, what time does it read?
12:25
